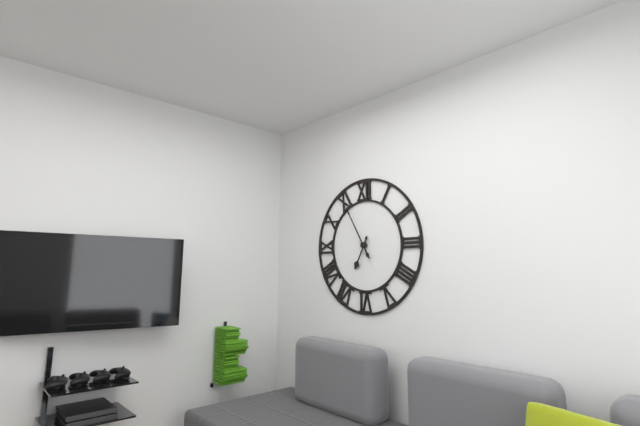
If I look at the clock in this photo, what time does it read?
6:55
